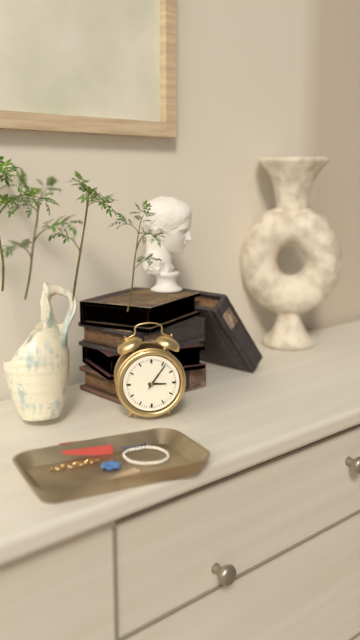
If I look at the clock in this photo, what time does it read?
3:06
